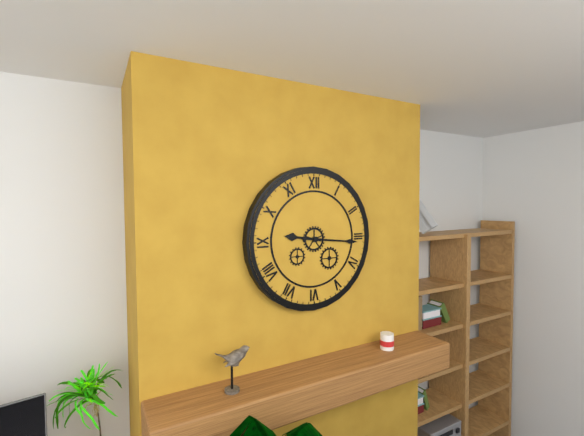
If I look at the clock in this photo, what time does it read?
9:16
